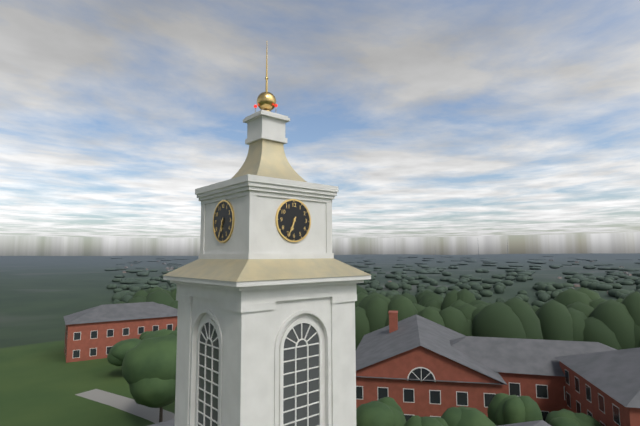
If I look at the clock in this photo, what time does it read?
6:34
